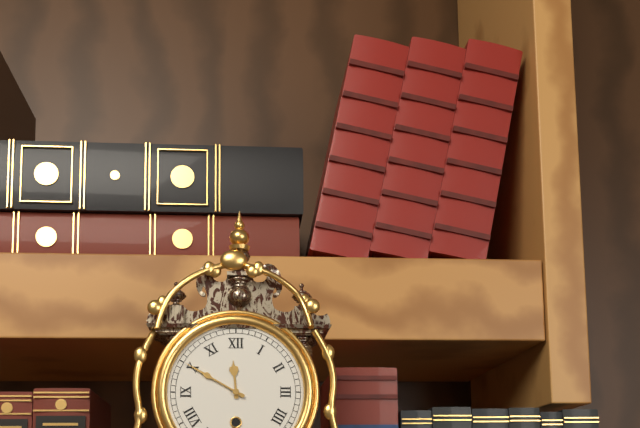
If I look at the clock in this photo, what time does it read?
11:50
